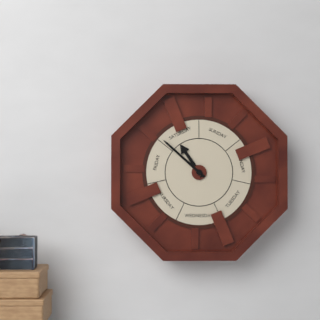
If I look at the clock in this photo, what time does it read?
10:52
